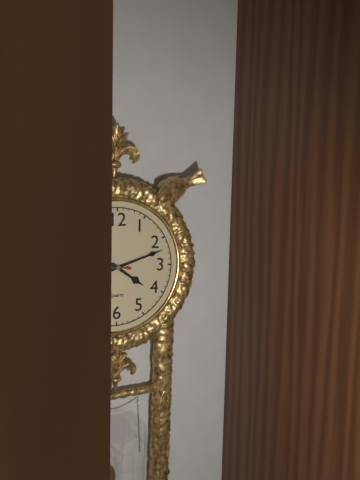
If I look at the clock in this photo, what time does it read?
4:12
